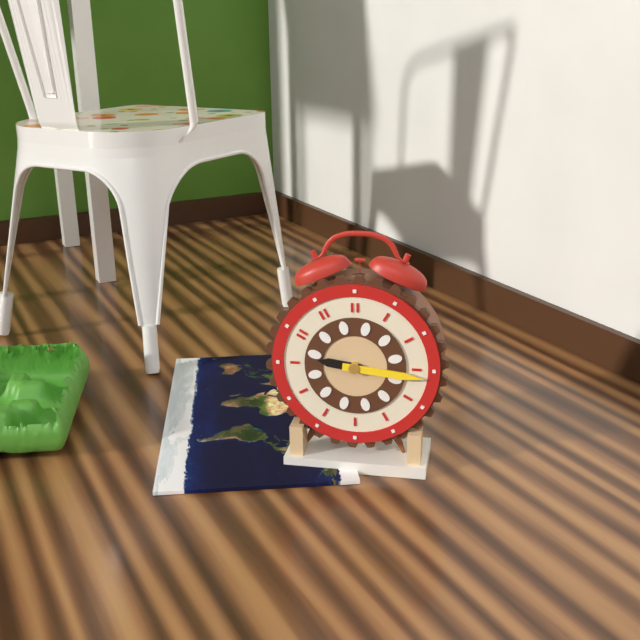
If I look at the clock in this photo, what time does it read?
9:16
